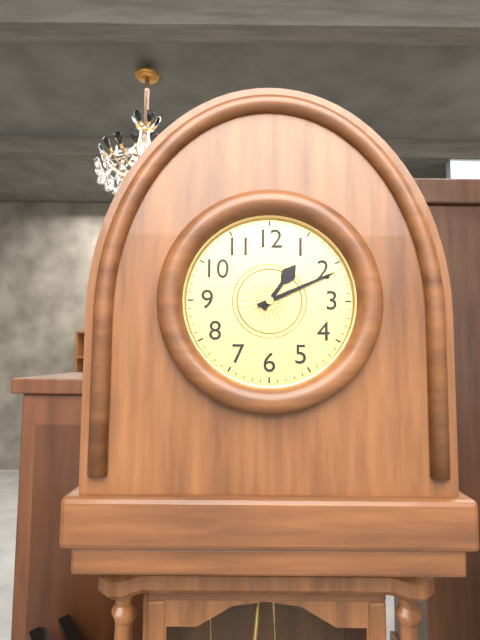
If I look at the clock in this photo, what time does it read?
1:11
